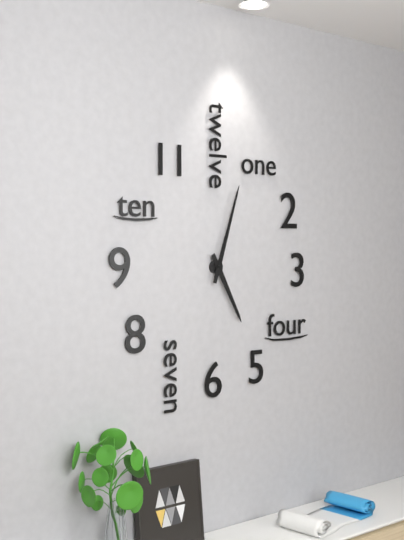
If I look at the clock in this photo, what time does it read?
5:03
